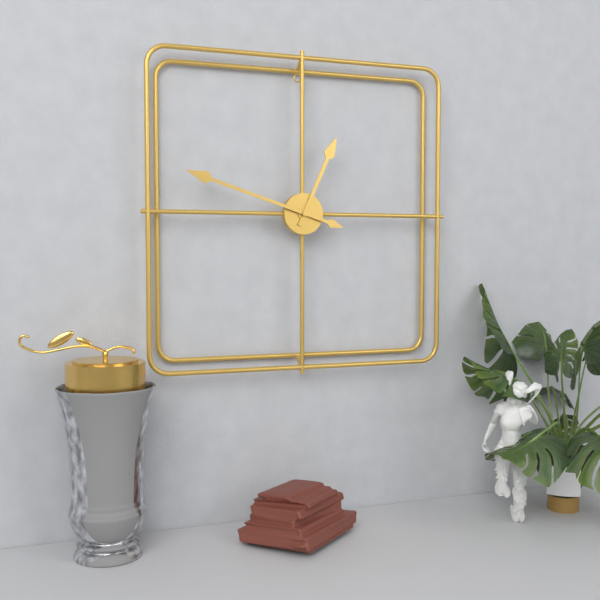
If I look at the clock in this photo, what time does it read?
12:48
